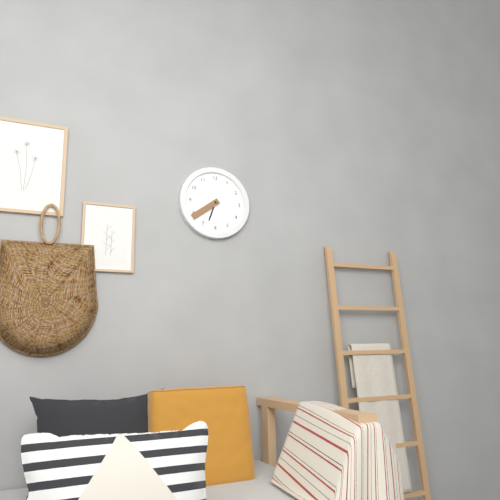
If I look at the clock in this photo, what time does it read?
6:39
